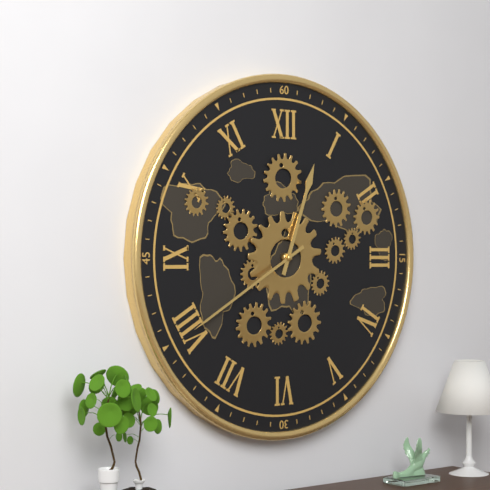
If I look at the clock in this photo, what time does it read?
12:40
